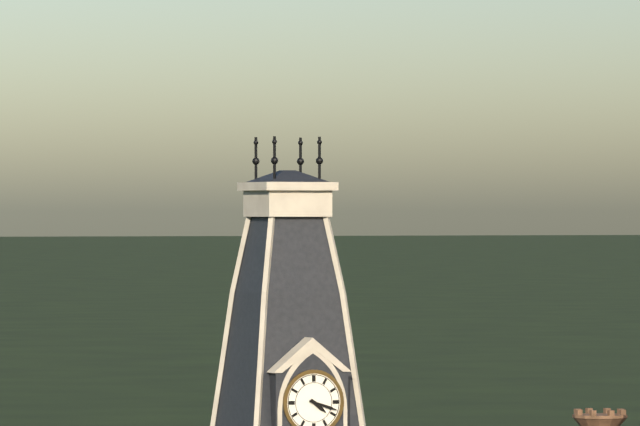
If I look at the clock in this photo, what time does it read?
4:18
